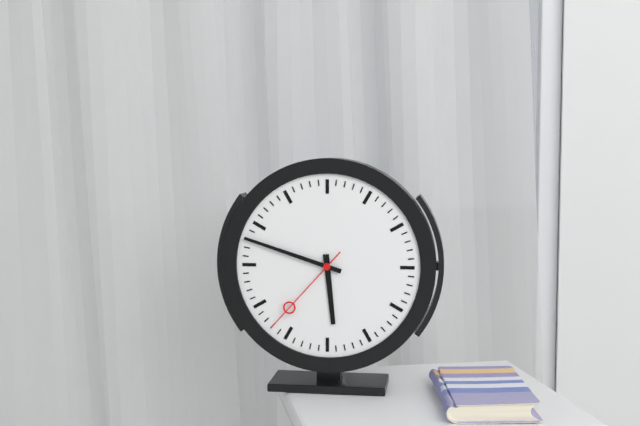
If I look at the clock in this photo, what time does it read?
5:48:37
